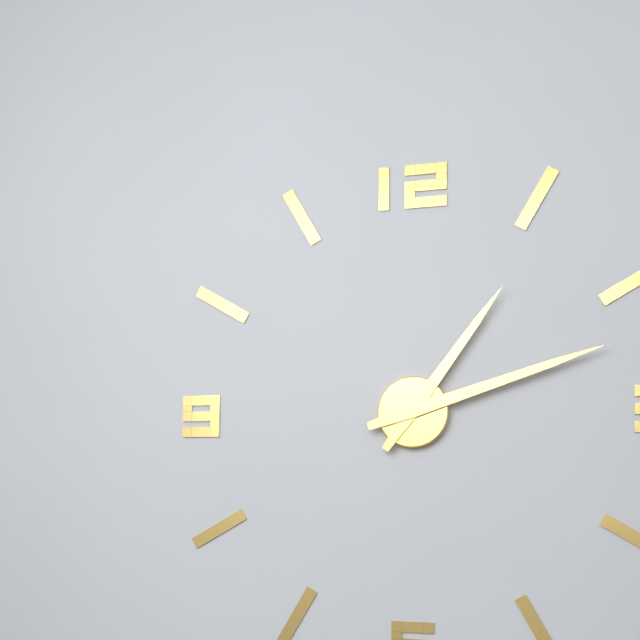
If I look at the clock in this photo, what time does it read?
1:12
